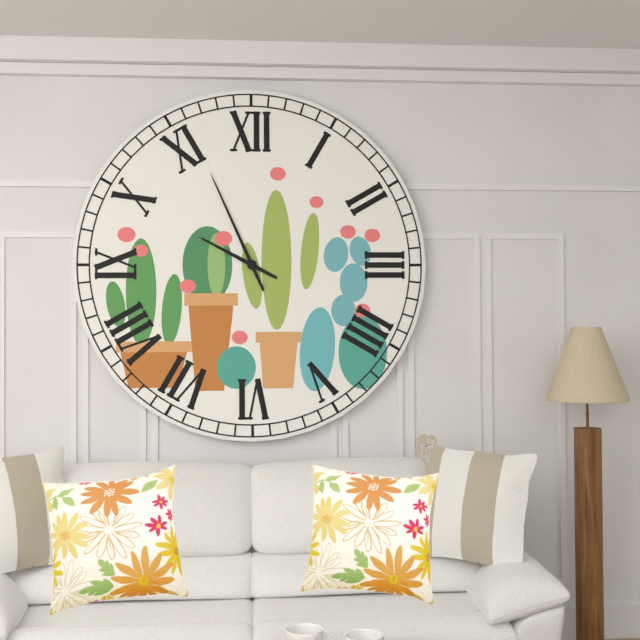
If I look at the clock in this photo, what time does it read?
9:56
